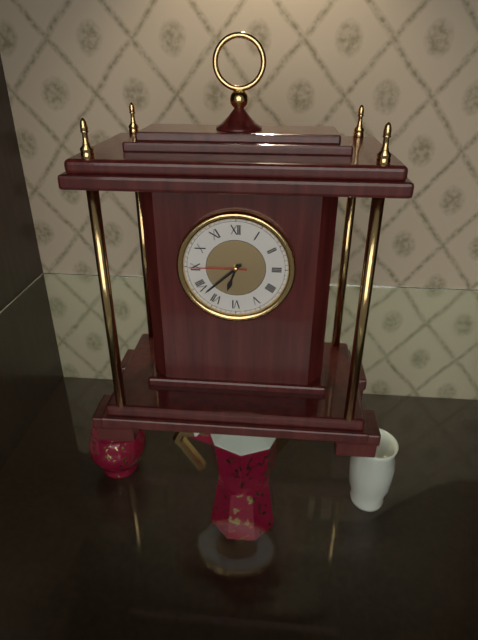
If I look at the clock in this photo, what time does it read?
6:38:45
